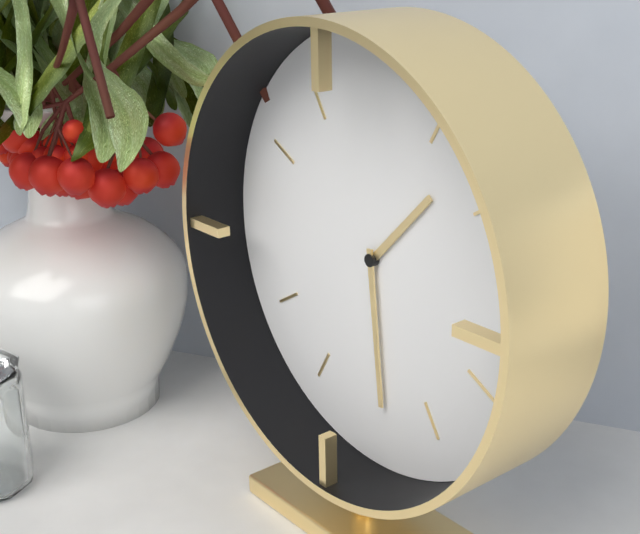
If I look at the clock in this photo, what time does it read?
1:29
